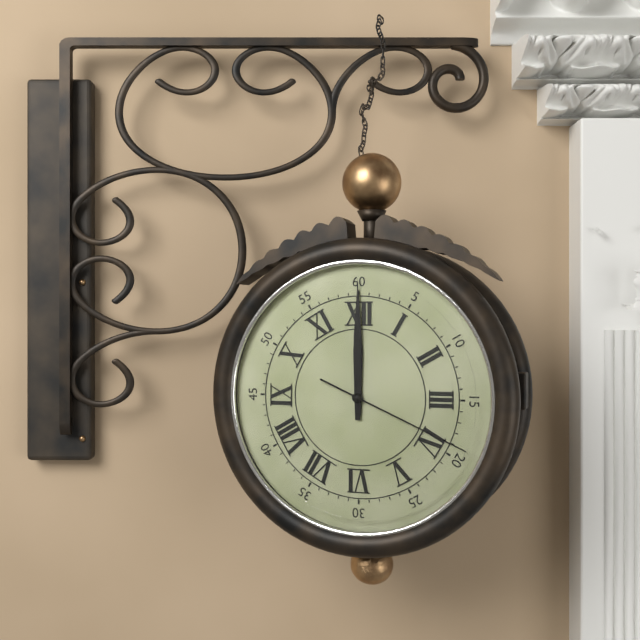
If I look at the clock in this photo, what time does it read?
12:00:19
